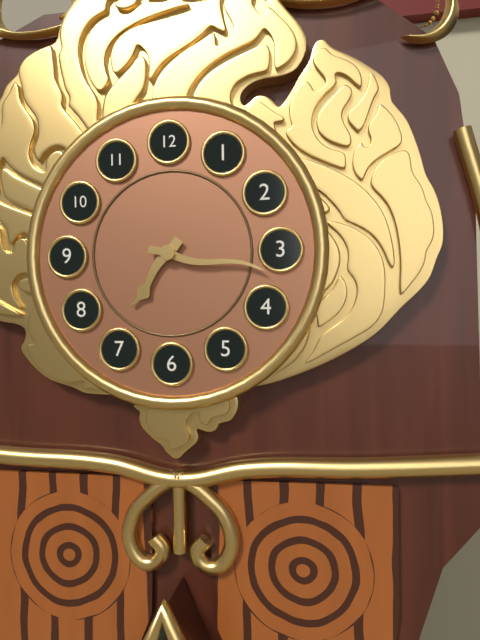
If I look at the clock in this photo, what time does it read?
7:17
